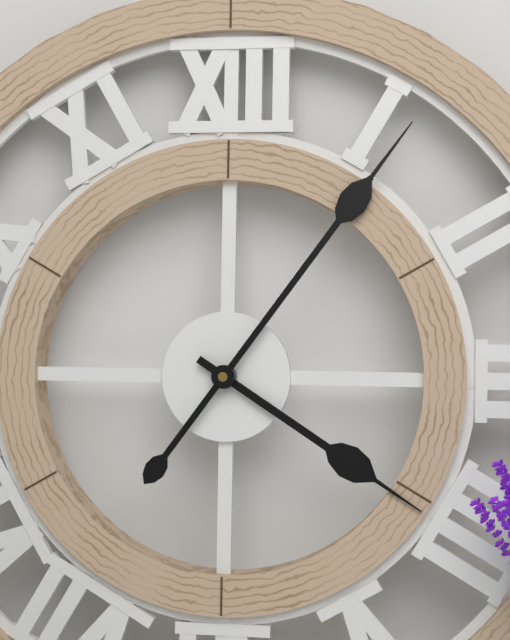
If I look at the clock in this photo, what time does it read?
4:06
